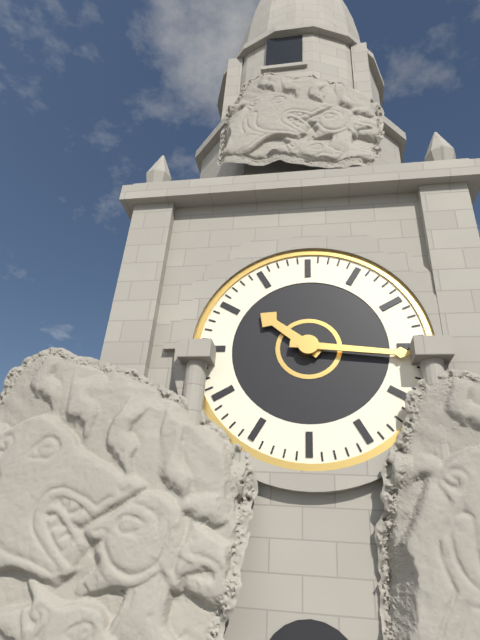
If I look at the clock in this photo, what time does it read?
10:16
